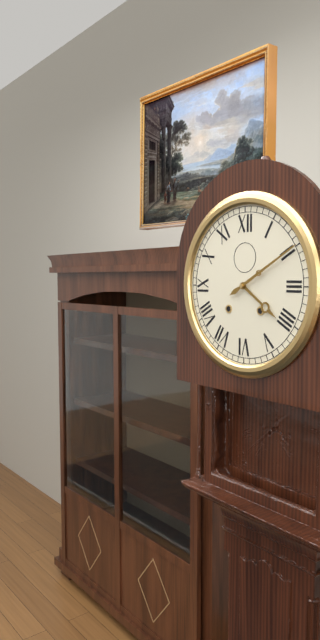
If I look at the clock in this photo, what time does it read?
4:10
